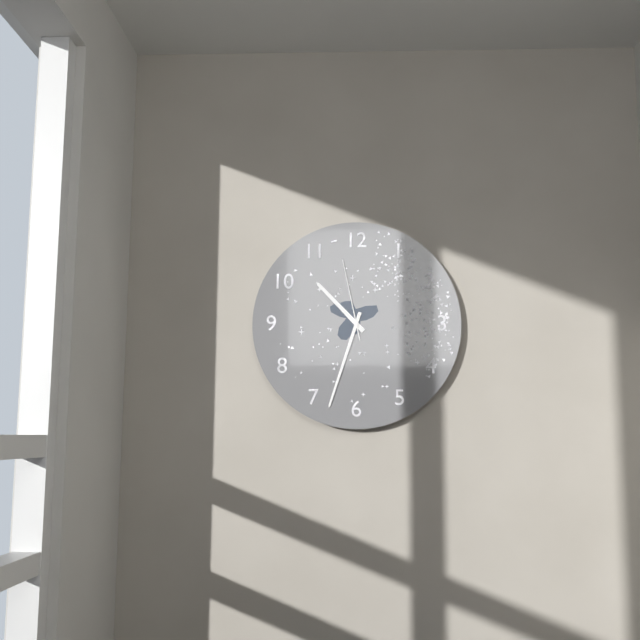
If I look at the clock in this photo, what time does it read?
10:33:58
